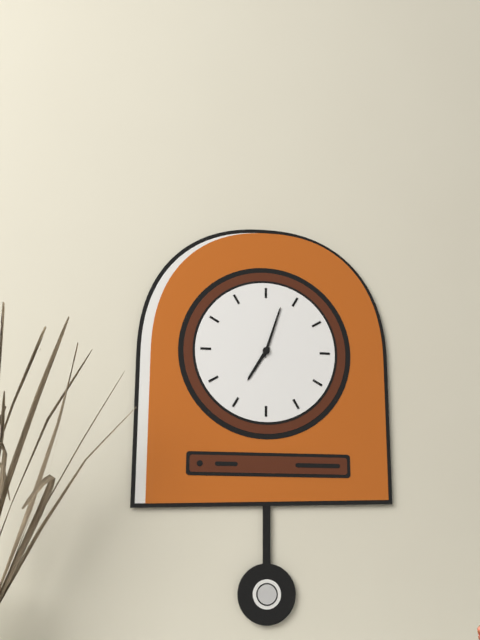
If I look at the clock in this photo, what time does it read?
7:03
